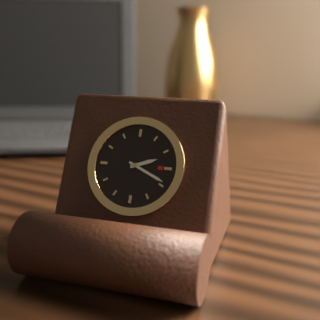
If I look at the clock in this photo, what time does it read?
2:19
